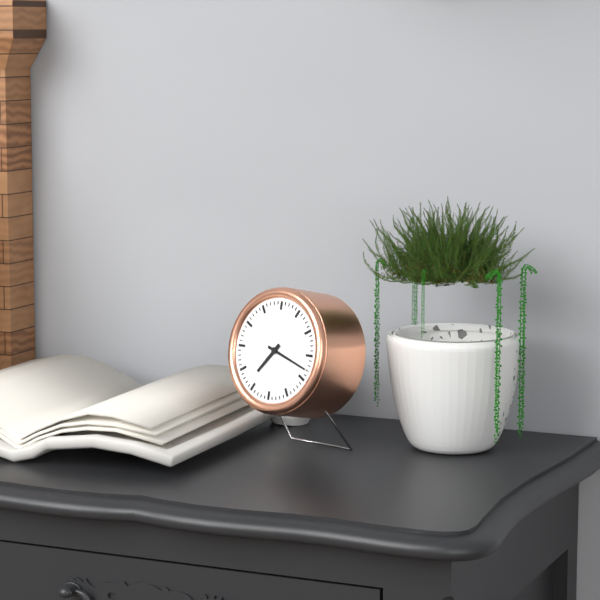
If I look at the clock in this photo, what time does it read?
7:18
